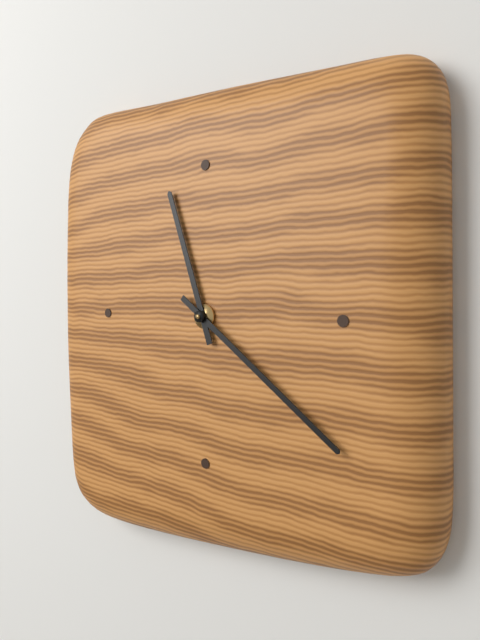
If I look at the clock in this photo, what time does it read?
11:21
